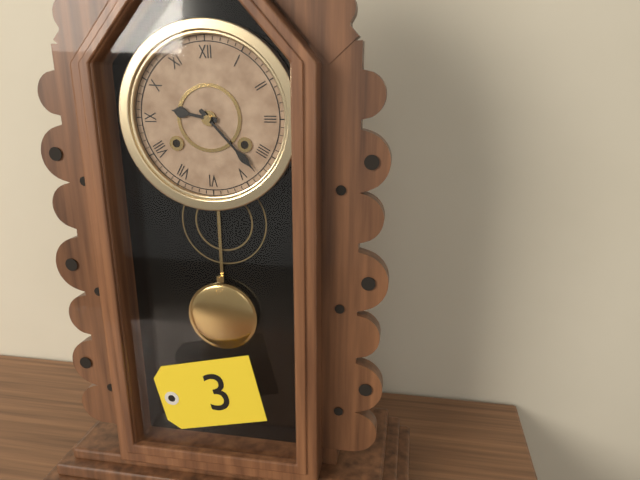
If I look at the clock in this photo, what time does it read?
9:23
